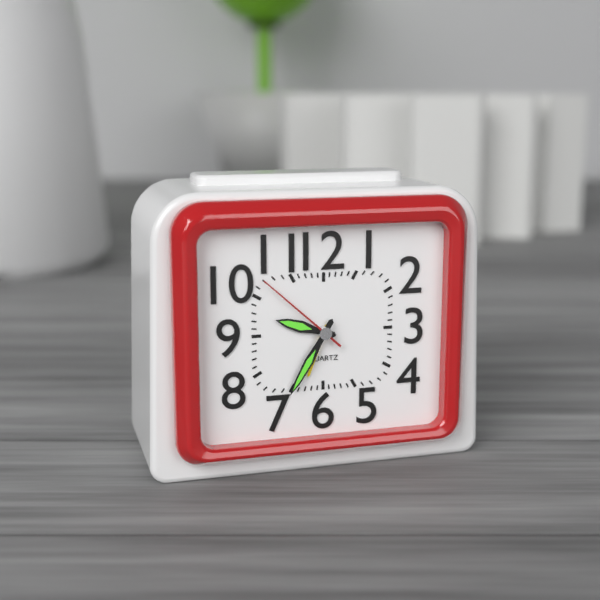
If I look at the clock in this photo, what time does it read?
9:35:52
